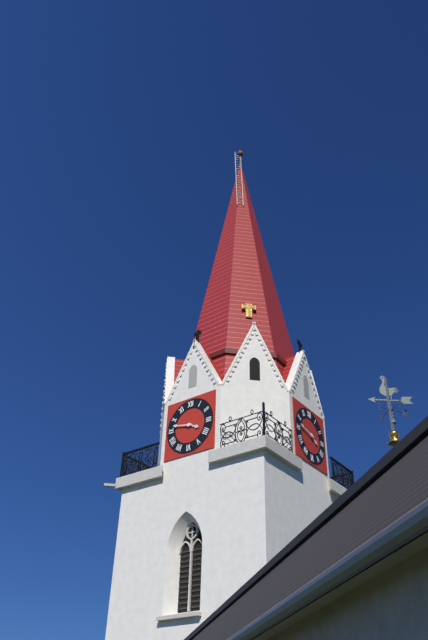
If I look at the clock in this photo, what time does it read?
3:47
